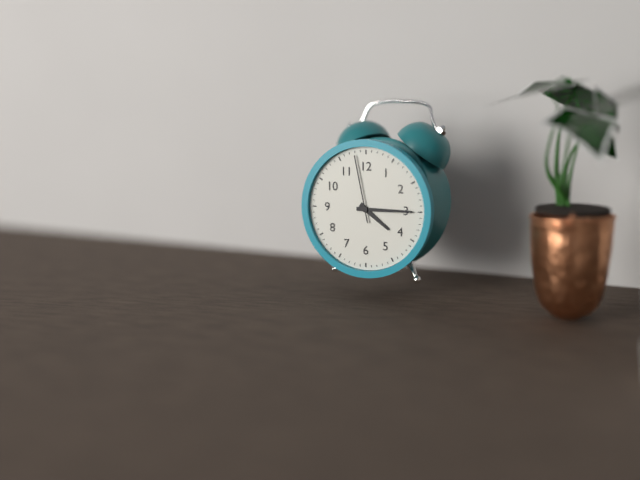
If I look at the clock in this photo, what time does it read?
4:15:58
